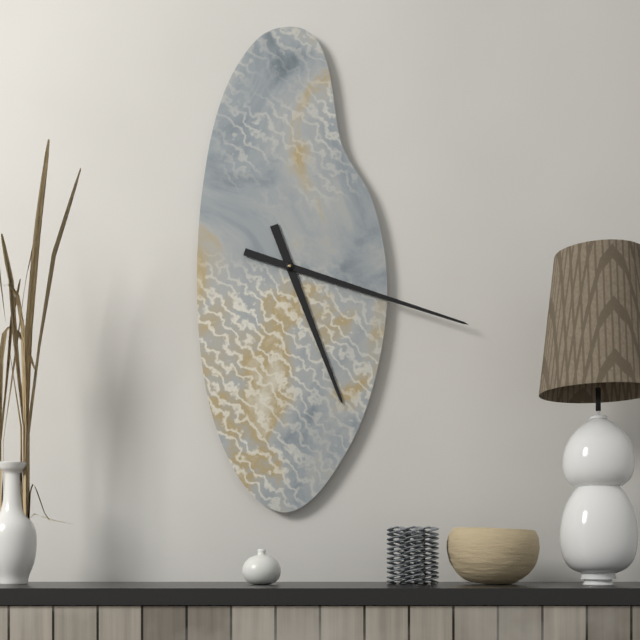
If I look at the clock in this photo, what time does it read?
5:18
